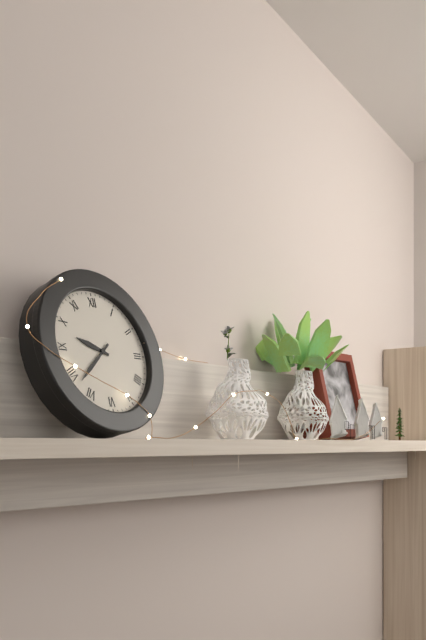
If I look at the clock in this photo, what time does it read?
9:38
